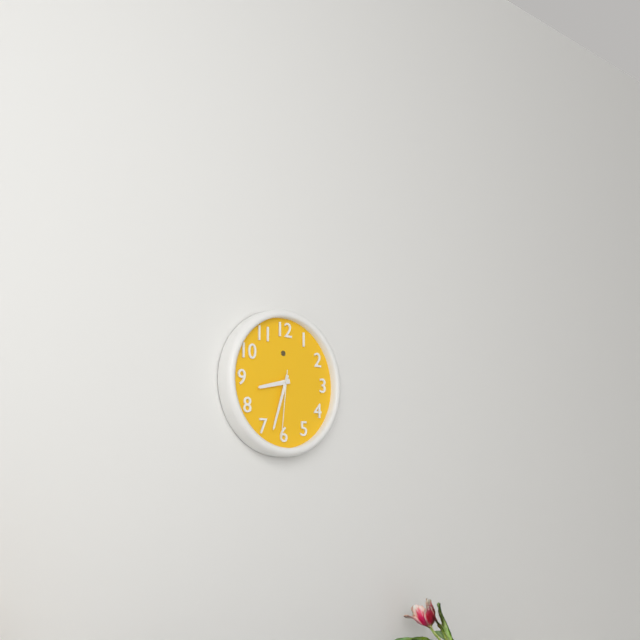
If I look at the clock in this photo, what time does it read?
8:33:31
